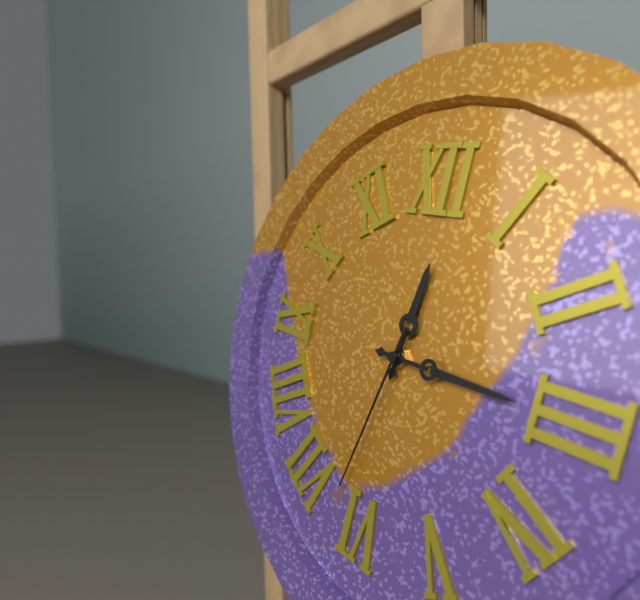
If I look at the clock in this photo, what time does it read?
12:15:32
